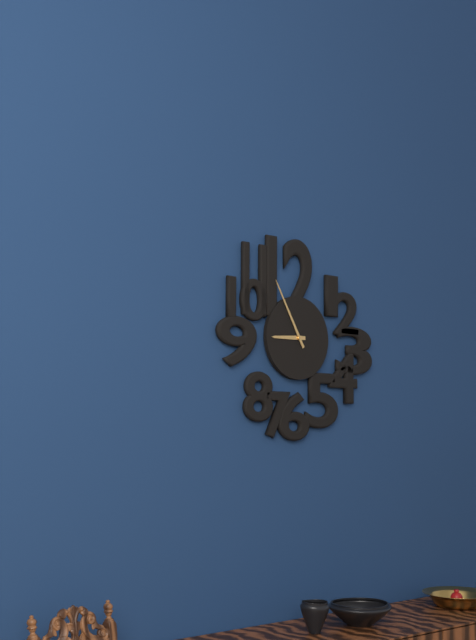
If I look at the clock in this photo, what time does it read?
8:55
